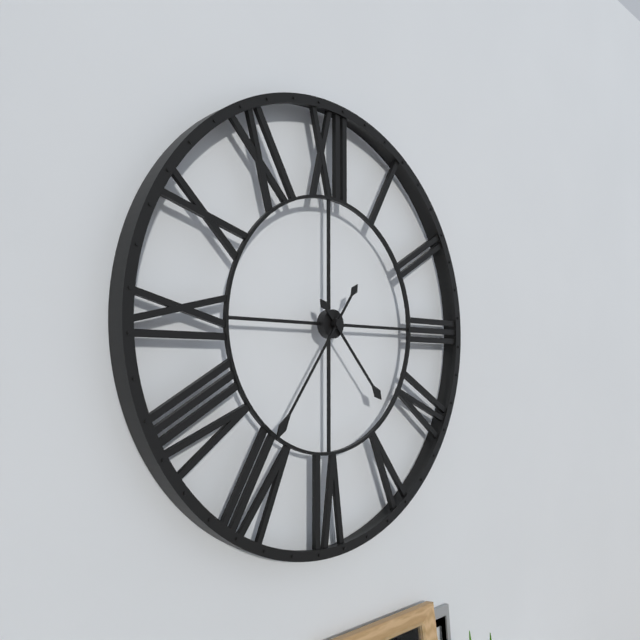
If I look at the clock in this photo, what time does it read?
4:36
